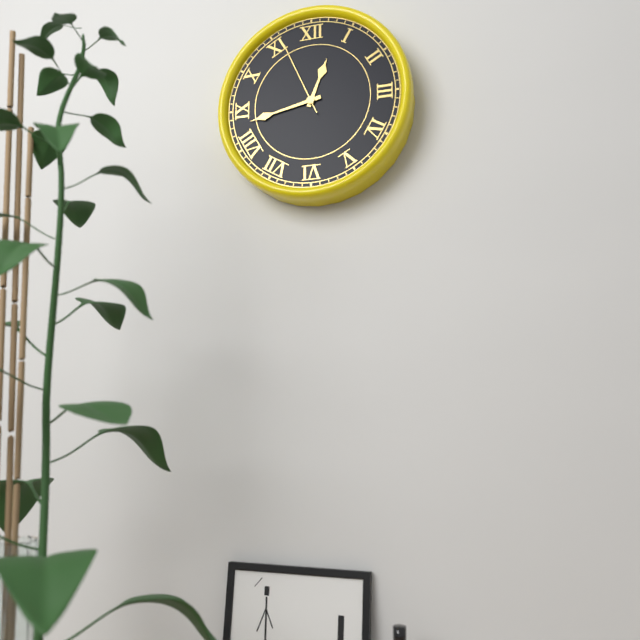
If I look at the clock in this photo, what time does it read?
12:43:56
